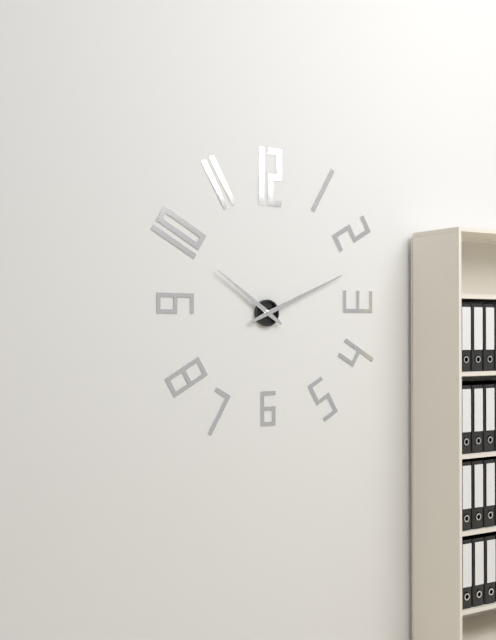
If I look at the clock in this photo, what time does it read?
10:11
